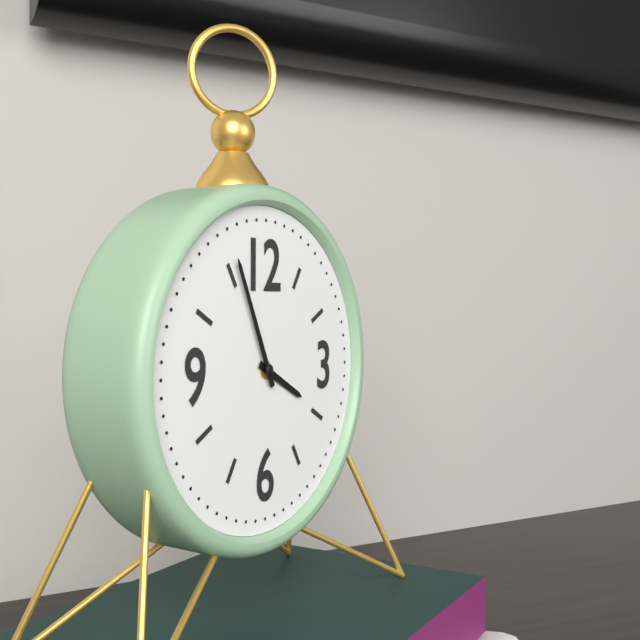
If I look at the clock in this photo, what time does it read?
3:56
